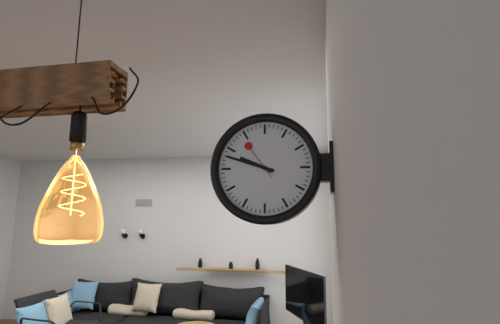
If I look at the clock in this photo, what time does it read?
9:48
